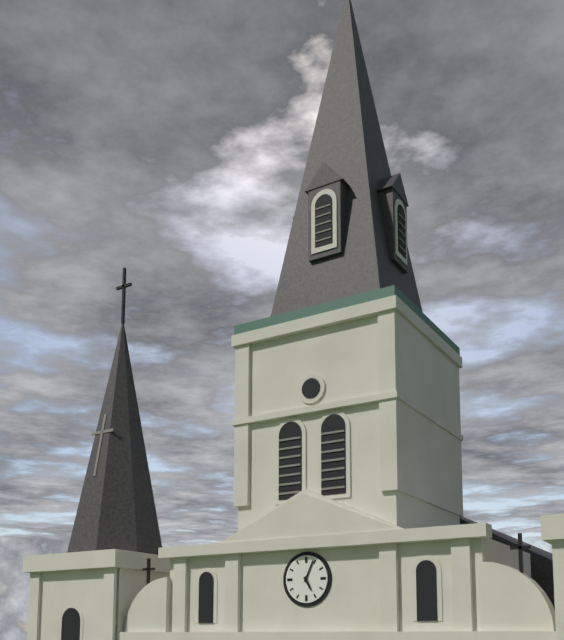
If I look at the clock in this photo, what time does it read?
5:04
